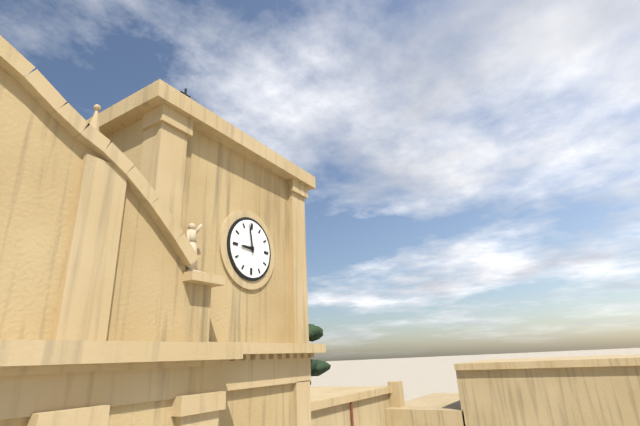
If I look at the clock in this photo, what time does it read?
8:58
